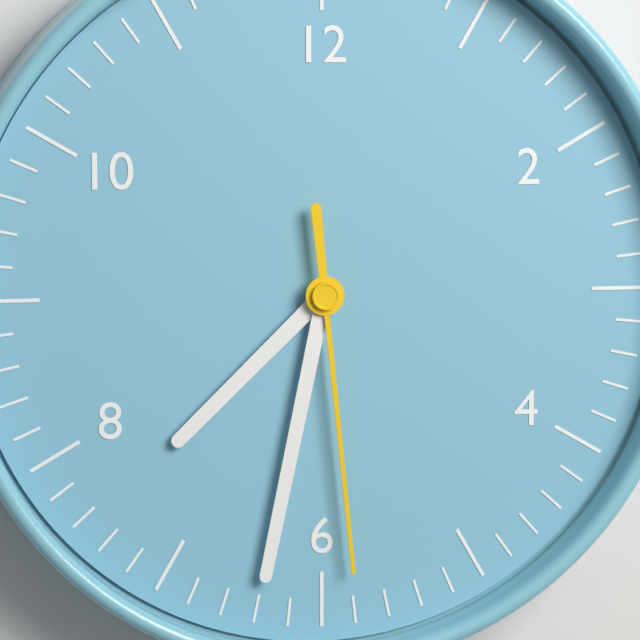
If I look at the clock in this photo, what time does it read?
7:32:29
